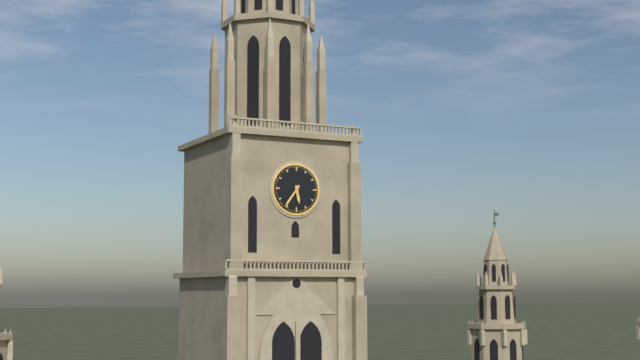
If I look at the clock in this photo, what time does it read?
5:36
